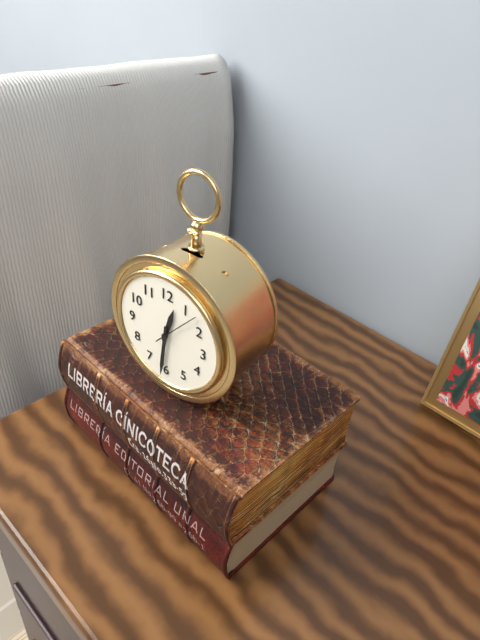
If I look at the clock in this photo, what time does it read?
12:31
